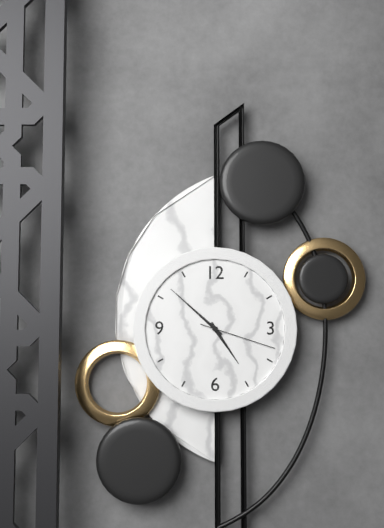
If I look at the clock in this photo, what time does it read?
4:52:18
